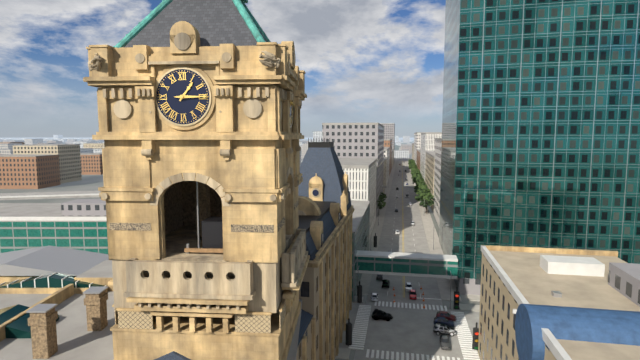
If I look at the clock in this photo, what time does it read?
1:15
